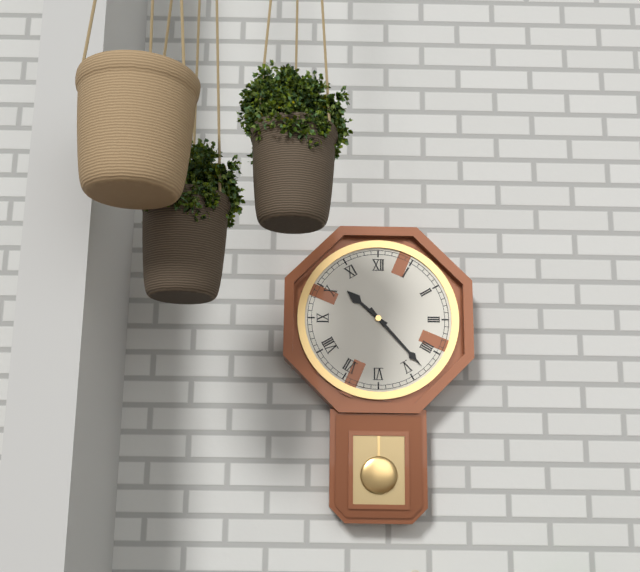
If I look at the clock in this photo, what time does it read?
10:23
